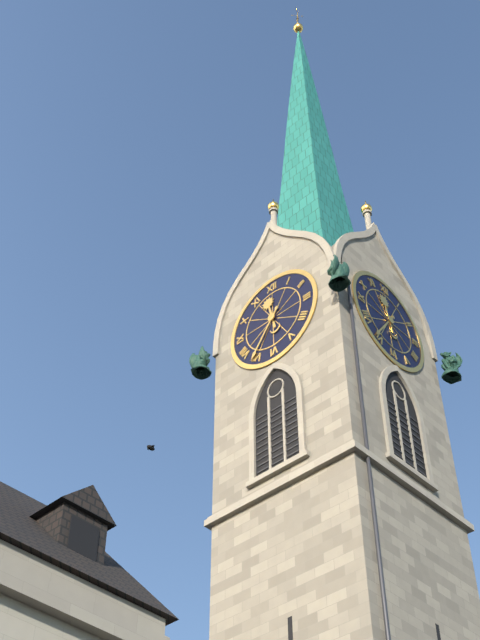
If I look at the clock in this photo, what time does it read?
11:36
